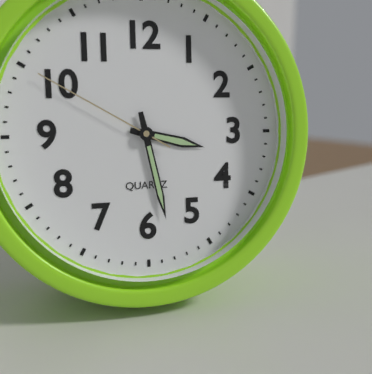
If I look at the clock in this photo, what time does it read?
3:28:50
